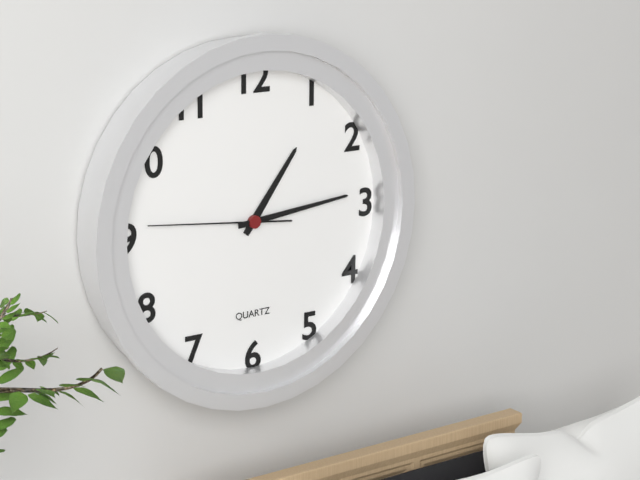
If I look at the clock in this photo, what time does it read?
1:14:46
